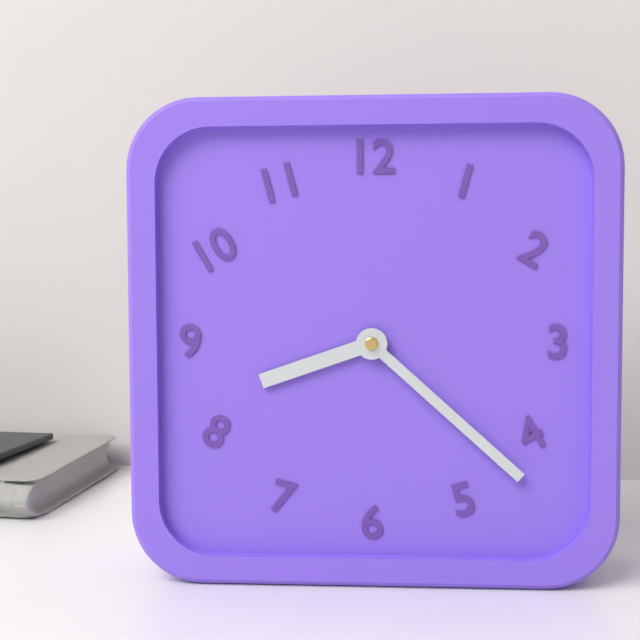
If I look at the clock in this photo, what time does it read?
8:22
